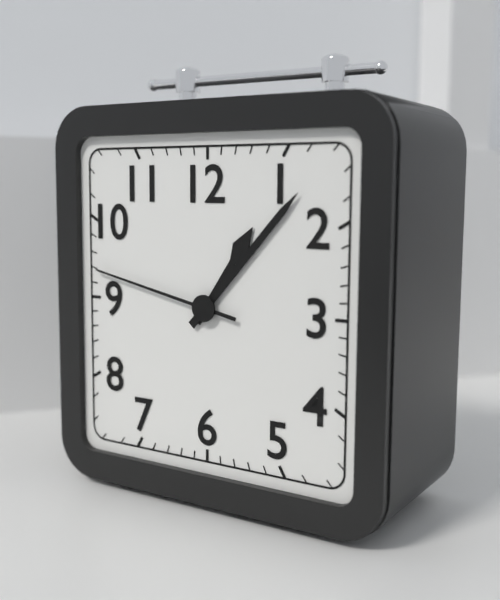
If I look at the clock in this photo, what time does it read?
1:07:47
